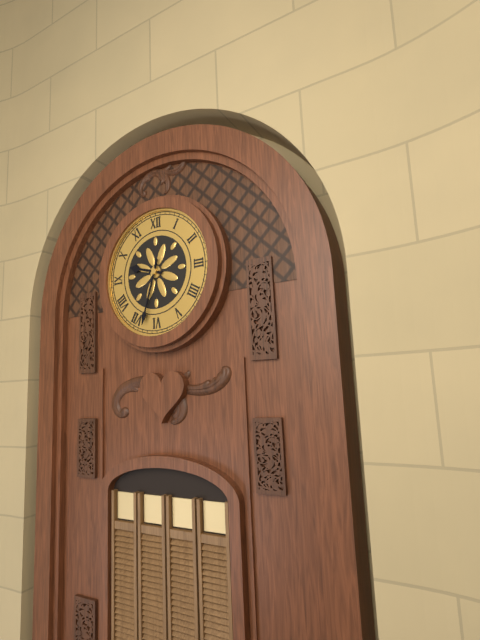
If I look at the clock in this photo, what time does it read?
9:33
